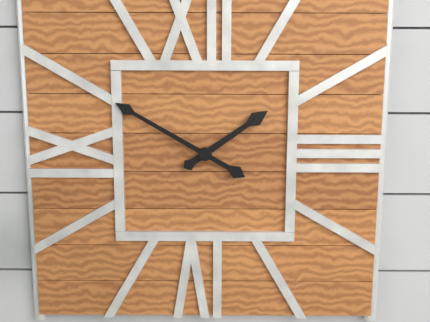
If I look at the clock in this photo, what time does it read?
1:50
